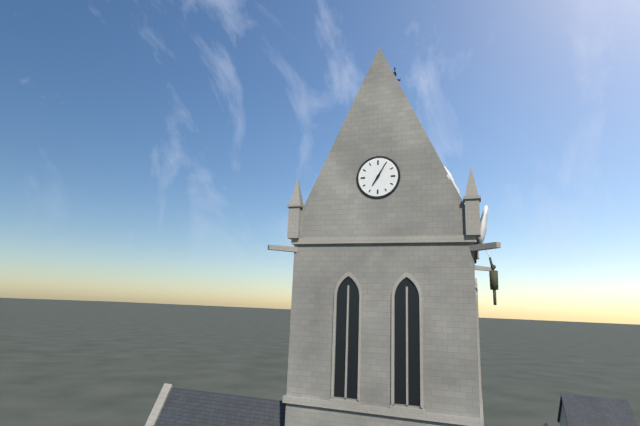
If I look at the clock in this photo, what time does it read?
7:05
